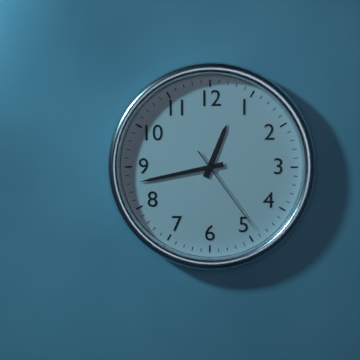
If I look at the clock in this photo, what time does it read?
12:43:24
